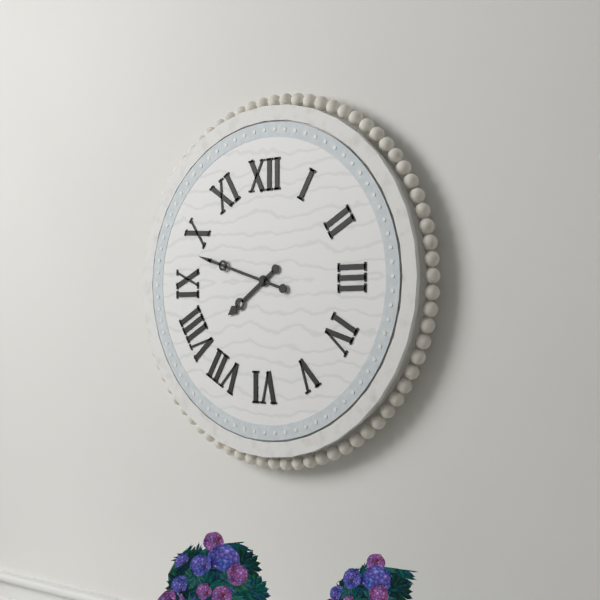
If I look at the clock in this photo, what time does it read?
7:48
